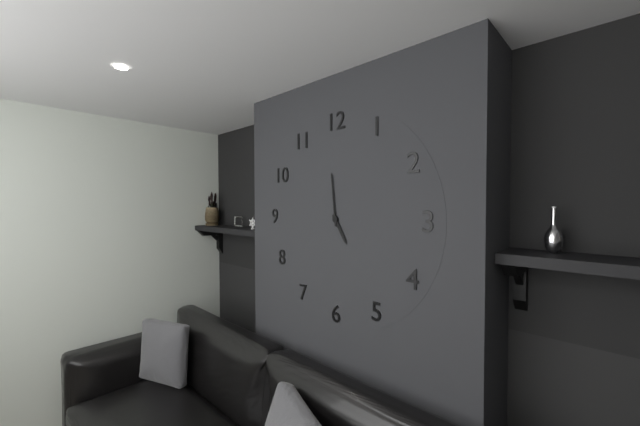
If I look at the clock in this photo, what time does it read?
4:59
